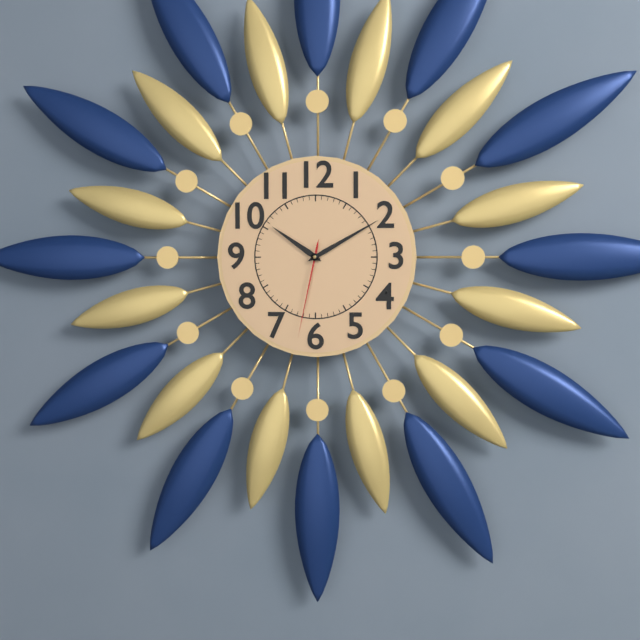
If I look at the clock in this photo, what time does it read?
10:10:32
